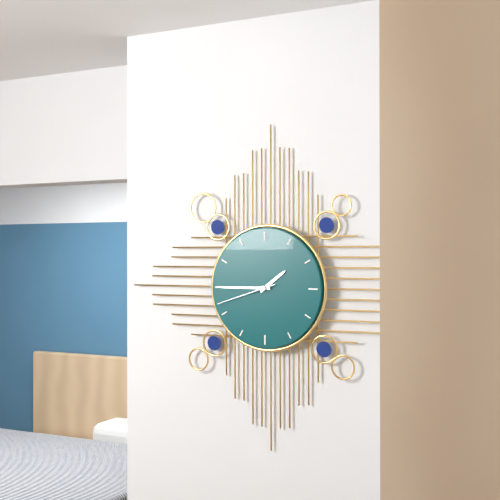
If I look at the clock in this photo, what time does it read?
1:45:42
